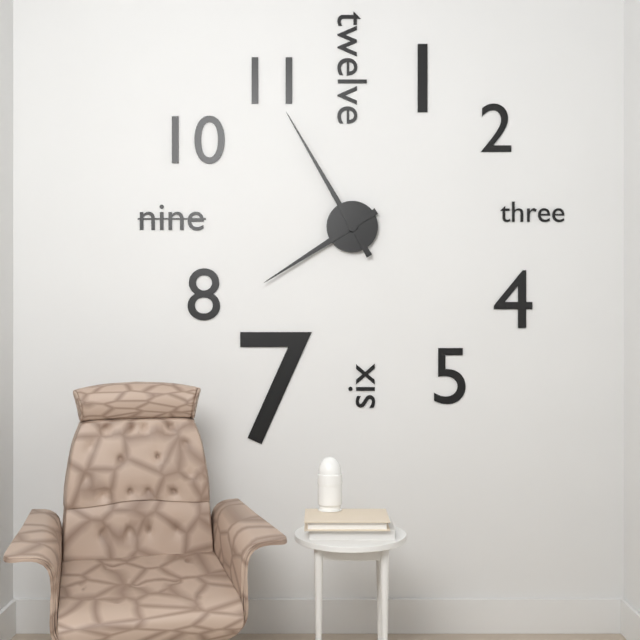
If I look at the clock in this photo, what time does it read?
7:55
